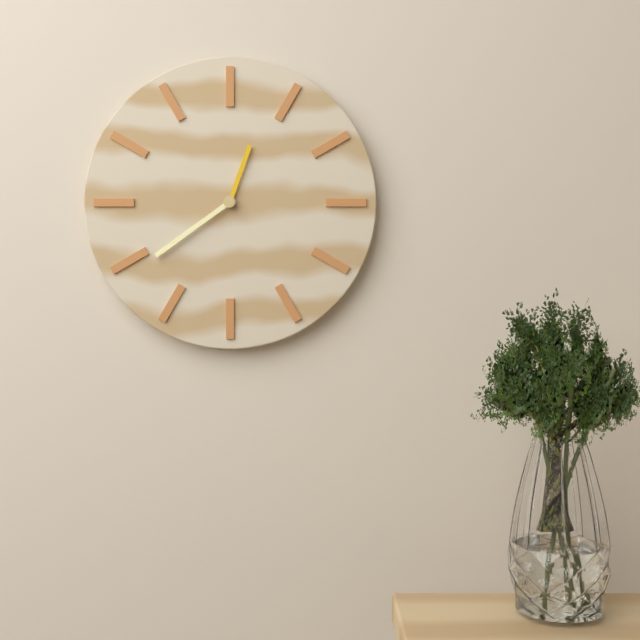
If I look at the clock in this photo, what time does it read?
12:39
